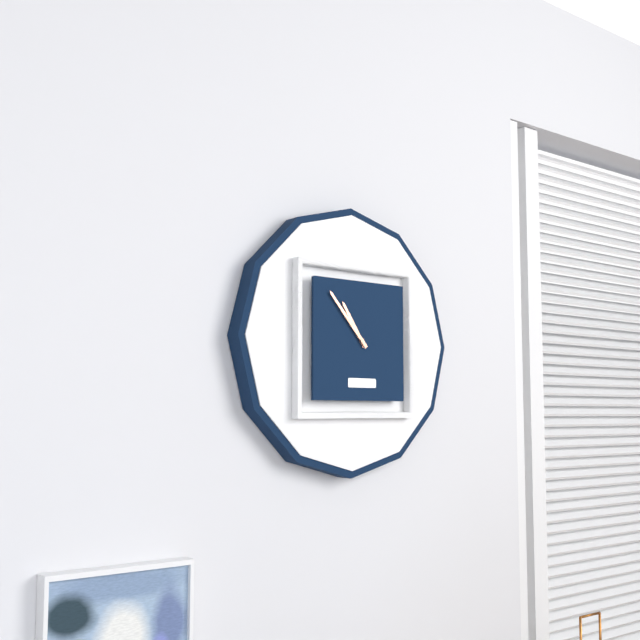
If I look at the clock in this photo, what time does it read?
10:53
